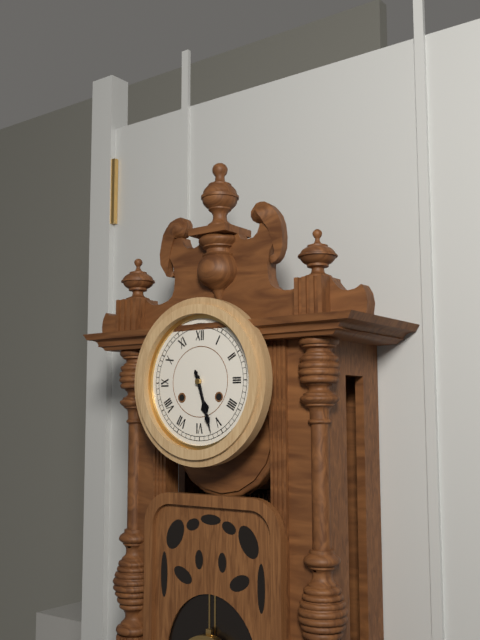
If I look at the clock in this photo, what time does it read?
5:27
